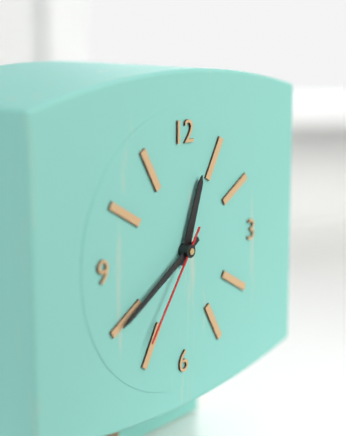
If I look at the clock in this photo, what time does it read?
12:40:36
